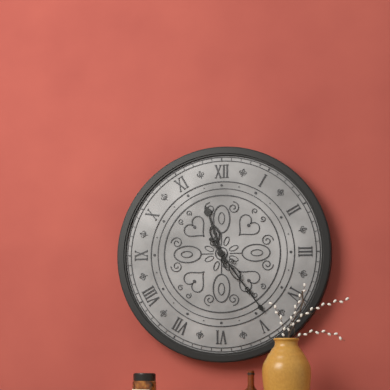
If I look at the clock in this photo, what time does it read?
11:24
